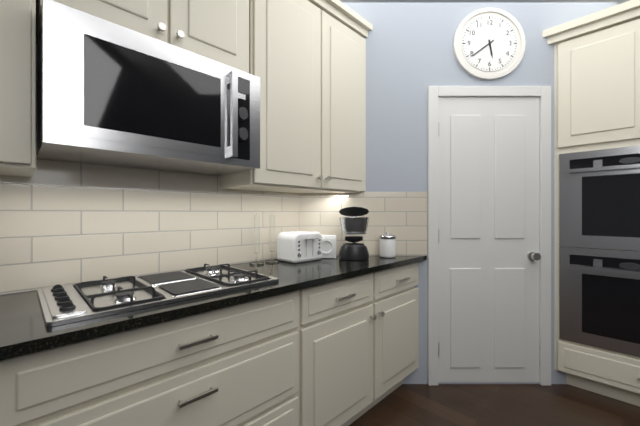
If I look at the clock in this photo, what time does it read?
5:39
